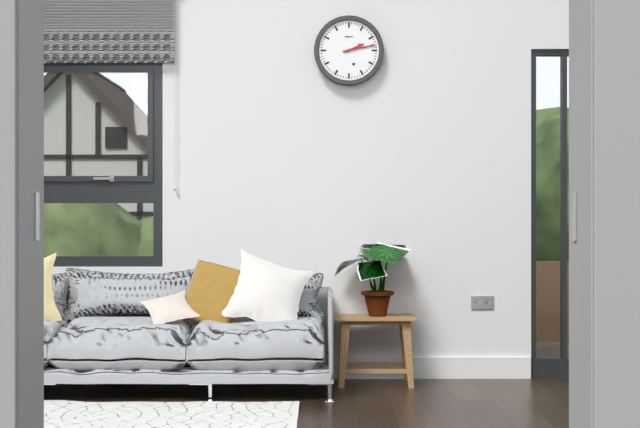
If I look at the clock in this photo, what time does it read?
2:13
